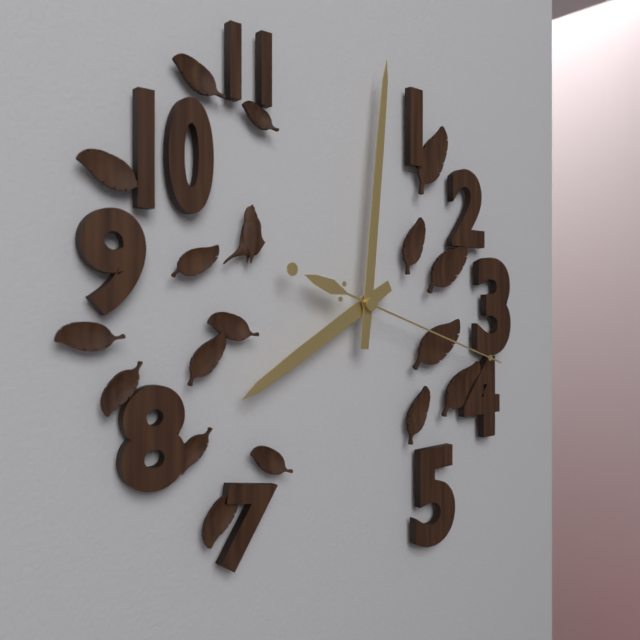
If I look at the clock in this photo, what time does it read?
8:01:18
